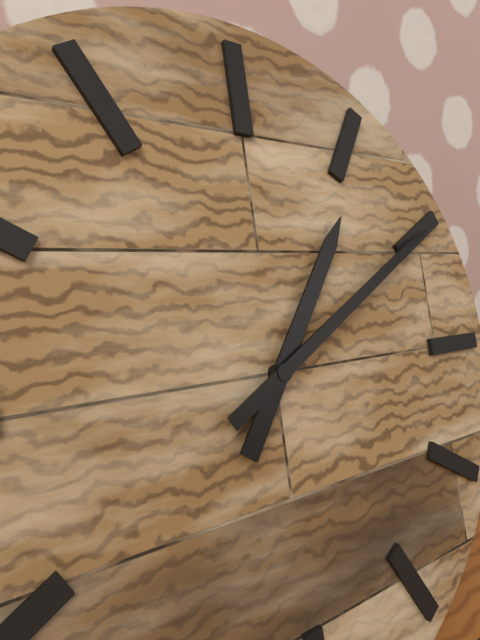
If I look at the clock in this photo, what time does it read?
1:10
